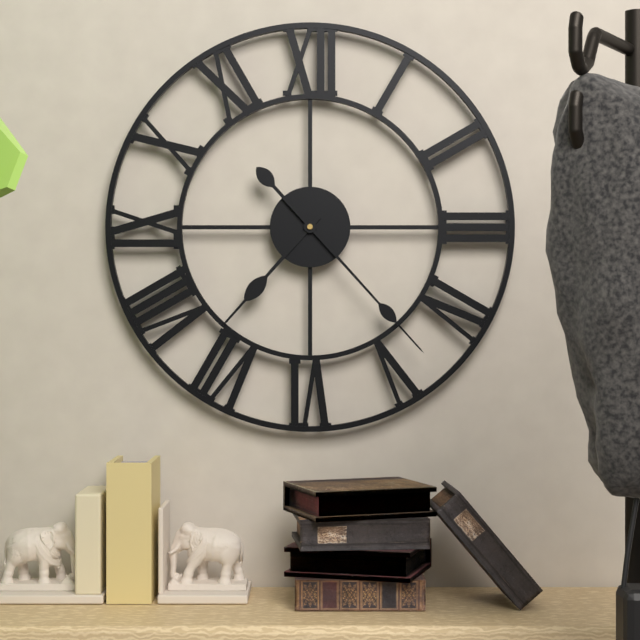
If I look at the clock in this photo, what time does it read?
7:23
